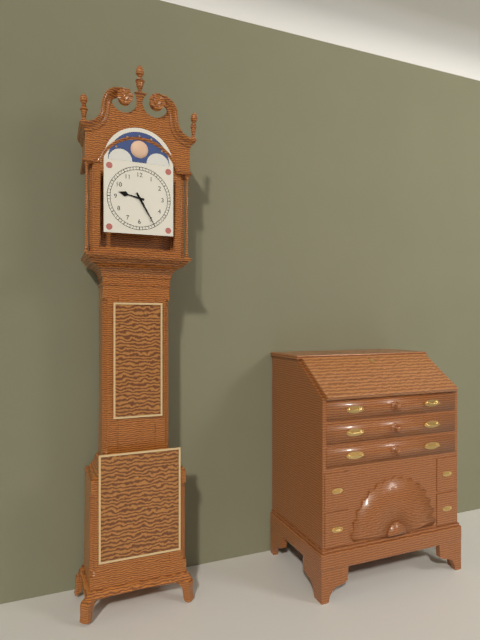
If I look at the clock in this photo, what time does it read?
9:25
